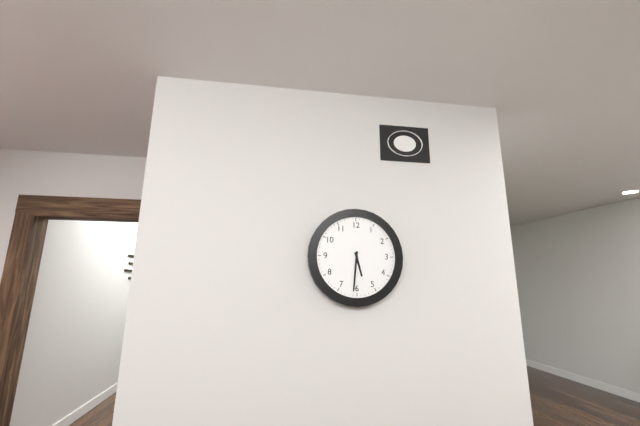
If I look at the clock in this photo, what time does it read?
5:31
